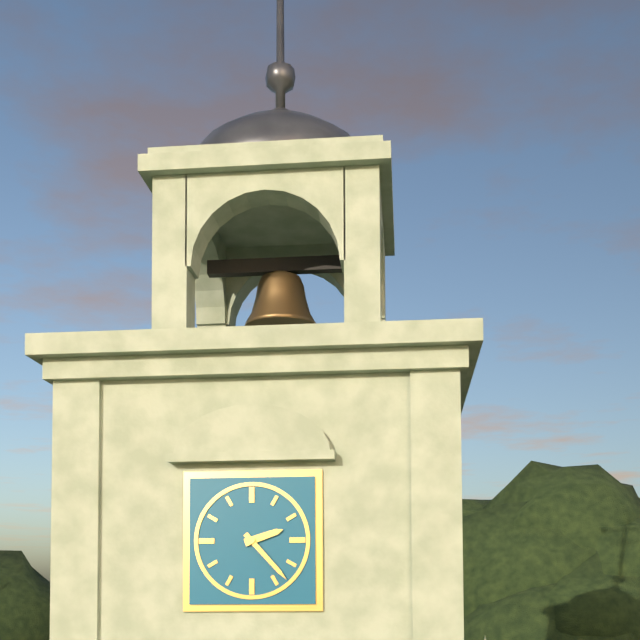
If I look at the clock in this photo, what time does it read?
2:23
